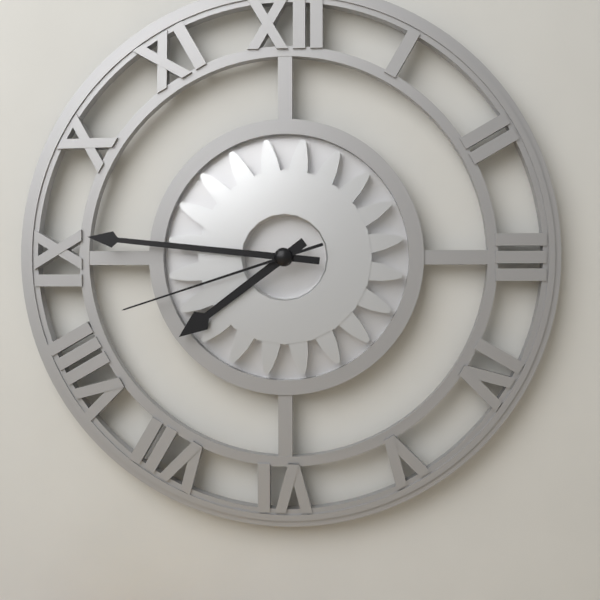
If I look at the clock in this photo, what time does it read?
7:46:42
